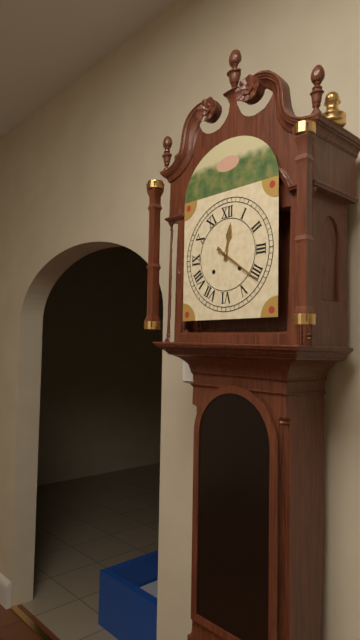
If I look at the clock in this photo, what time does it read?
12:21
